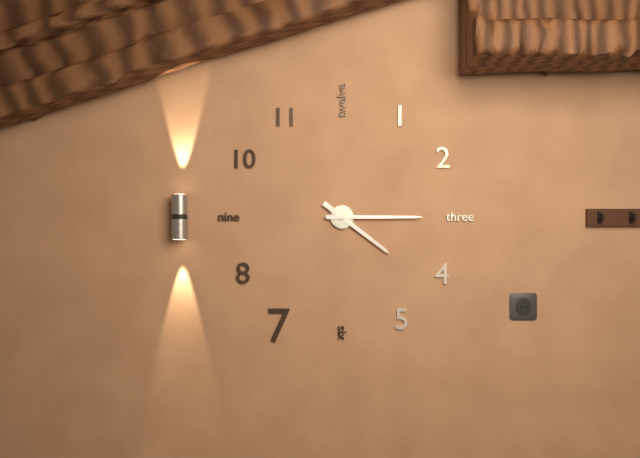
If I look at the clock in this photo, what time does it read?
4:15
